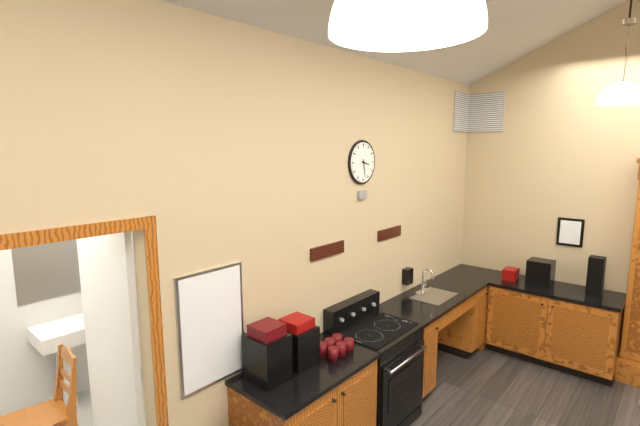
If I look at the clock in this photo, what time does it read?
3:28
